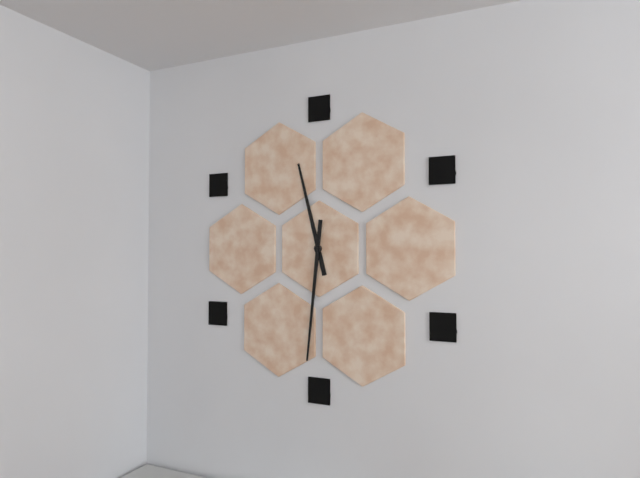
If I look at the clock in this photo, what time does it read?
11:31
